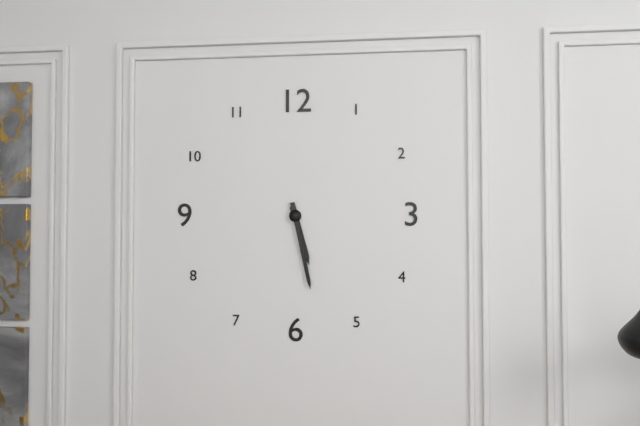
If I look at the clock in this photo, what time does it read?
5:28
